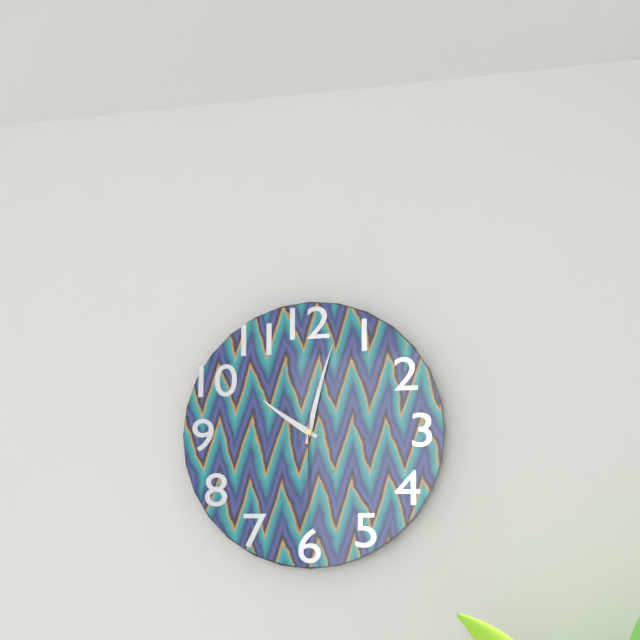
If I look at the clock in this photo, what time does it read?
10:02:30
